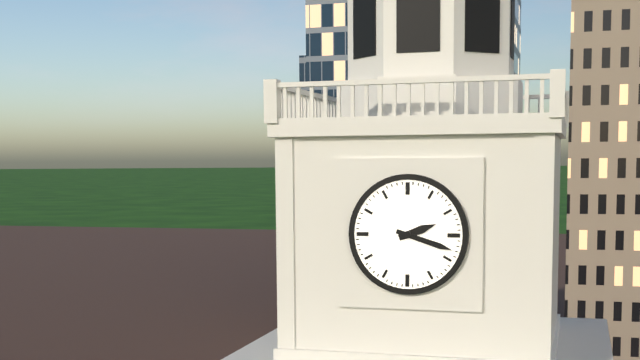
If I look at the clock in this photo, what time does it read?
2:18
